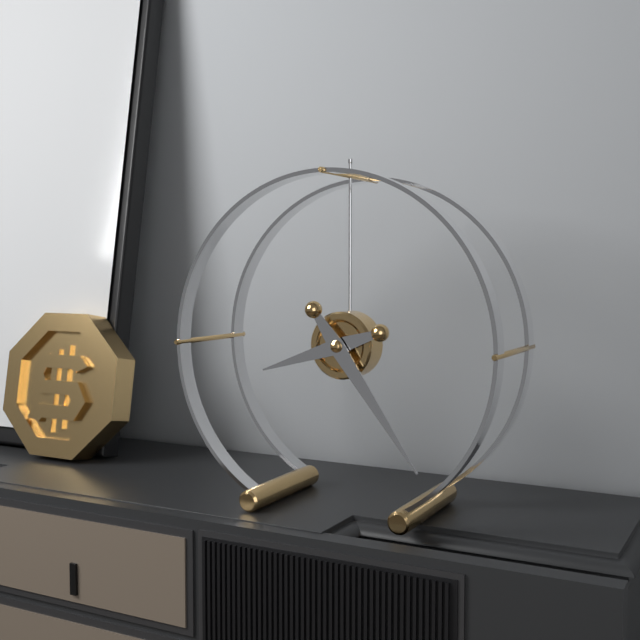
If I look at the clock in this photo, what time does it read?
8:24
